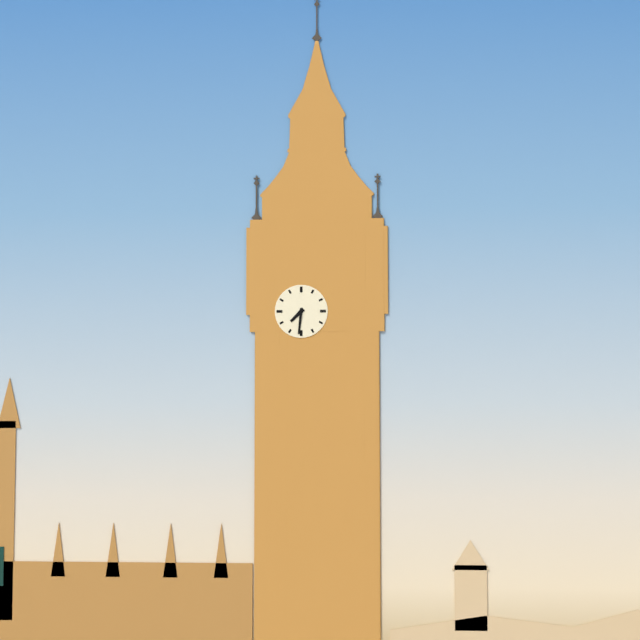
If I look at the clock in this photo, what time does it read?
7:31
